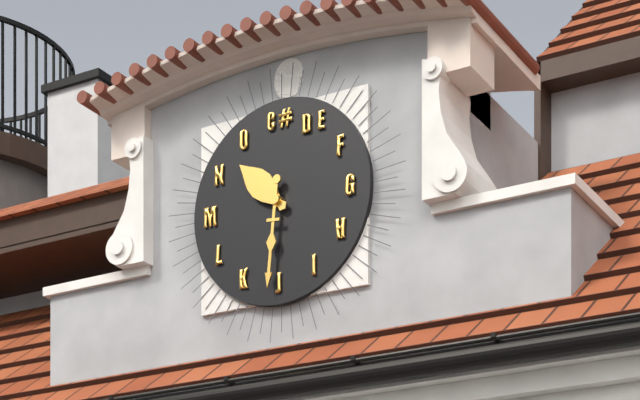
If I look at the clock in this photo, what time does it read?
10:31
